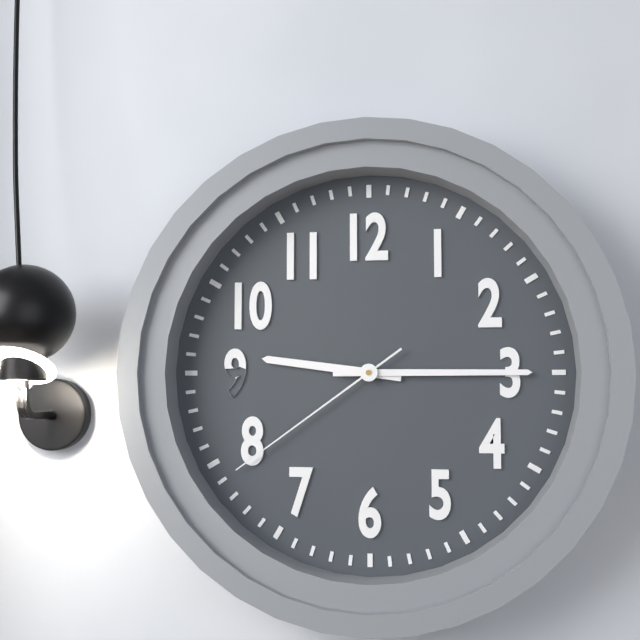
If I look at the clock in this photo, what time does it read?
9:15:39
